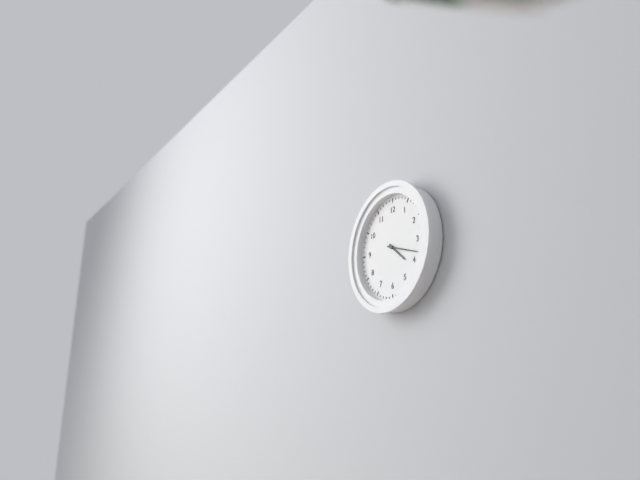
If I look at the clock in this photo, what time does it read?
4:18
